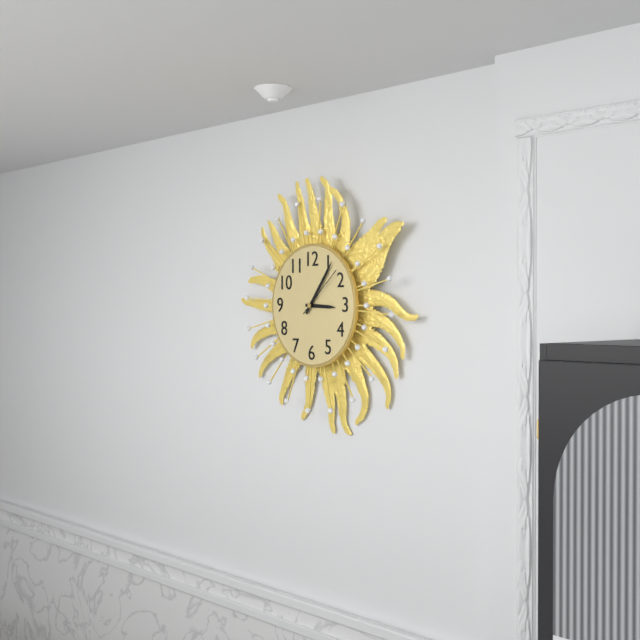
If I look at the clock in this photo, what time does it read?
3:06:08
